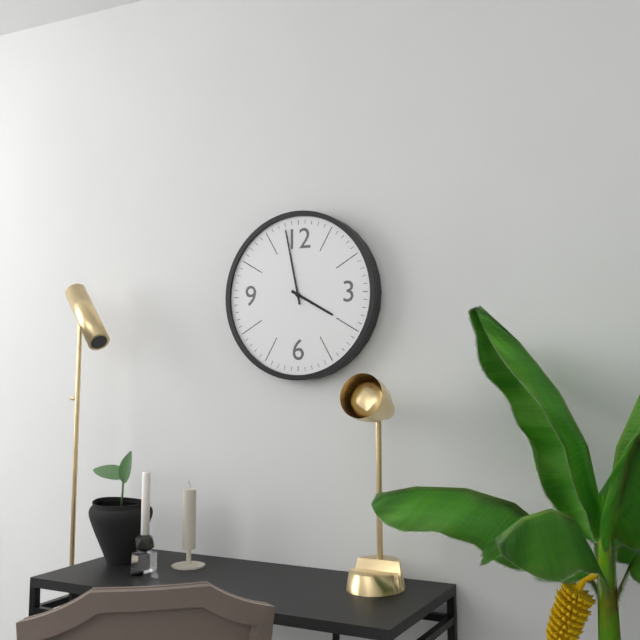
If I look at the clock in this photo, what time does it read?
3:58
